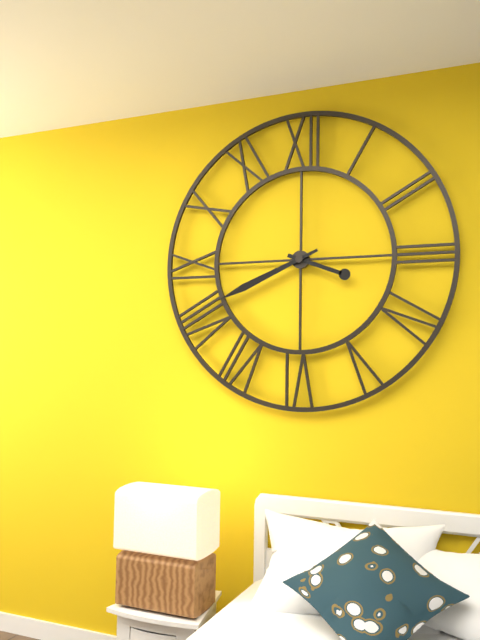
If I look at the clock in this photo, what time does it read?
3:41
